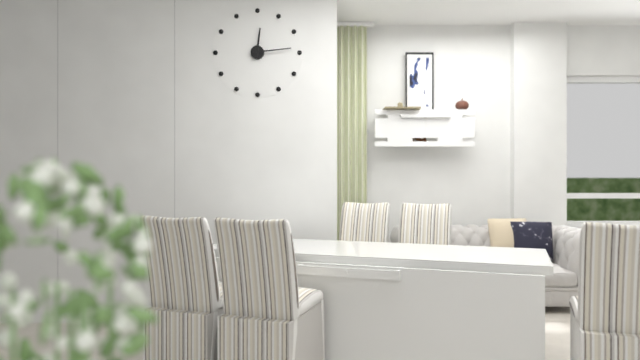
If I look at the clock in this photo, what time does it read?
12:14
